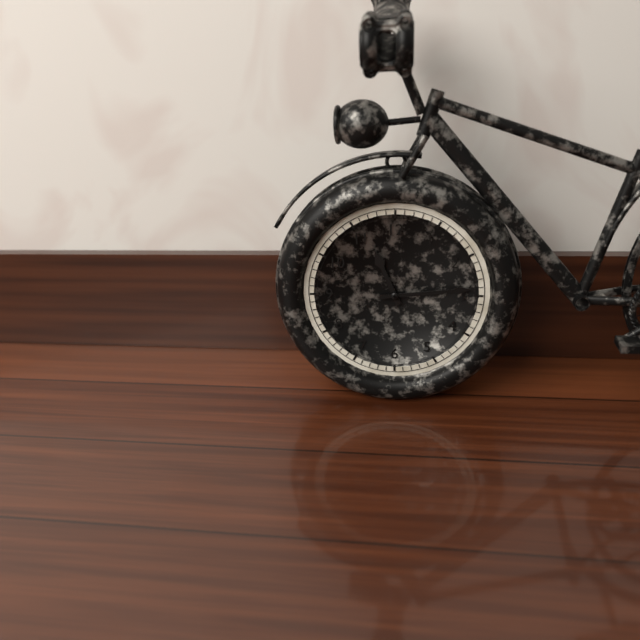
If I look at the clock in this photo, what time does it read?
11:14
